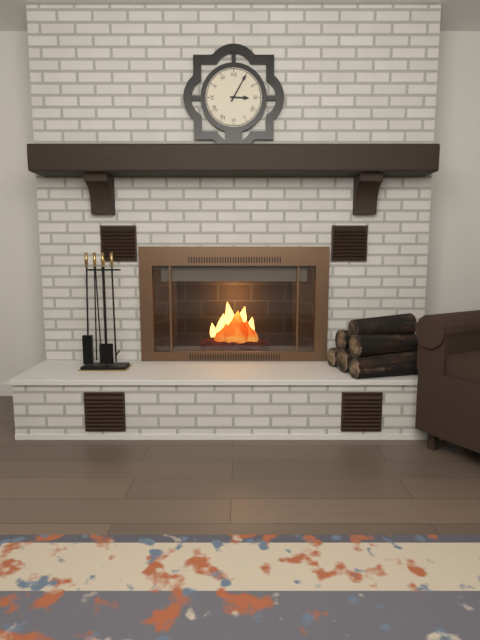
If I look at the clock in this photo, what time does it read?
3:05
